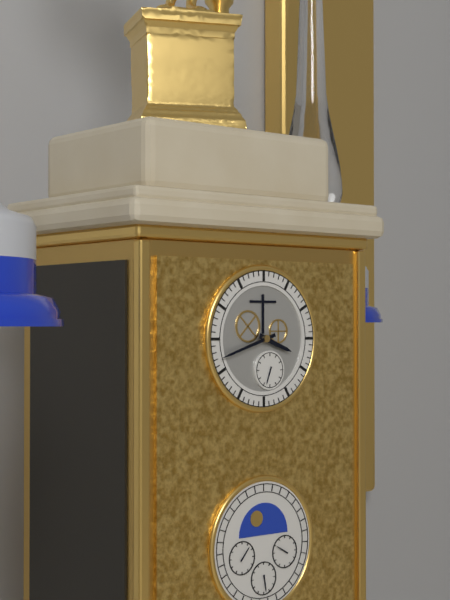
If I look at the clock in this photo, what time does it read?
3:42
